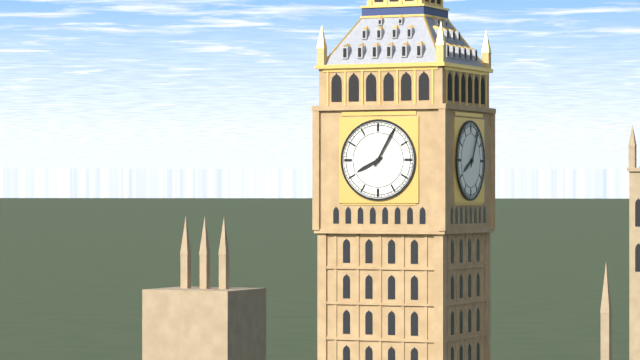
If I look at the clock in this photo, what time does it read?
8:05
